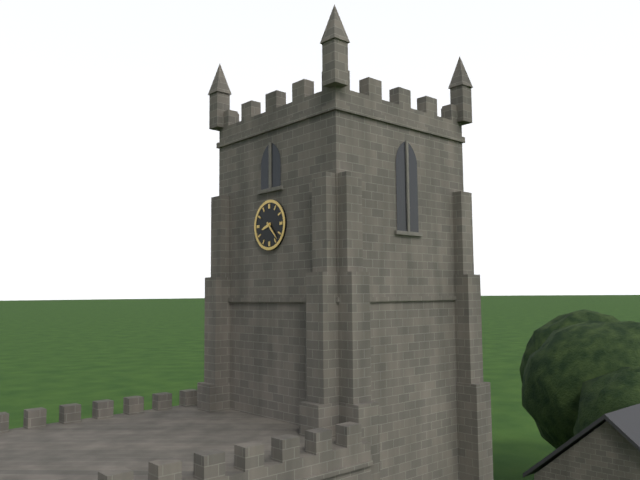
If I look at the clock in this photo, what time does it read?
8:23
